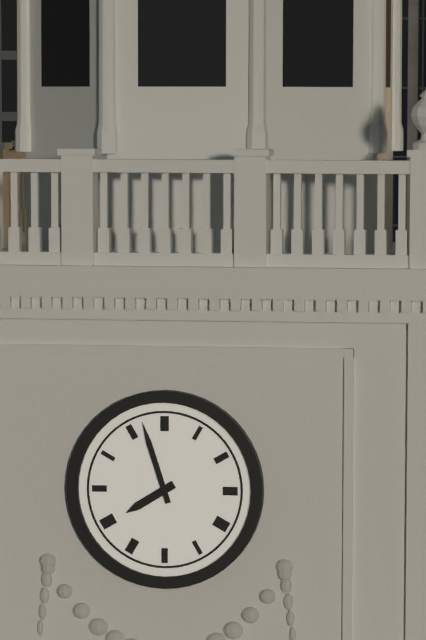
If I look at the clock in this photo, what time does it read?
7:57
